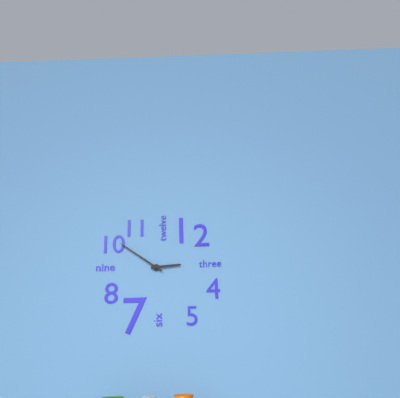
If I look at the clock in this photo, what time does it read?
2:51
